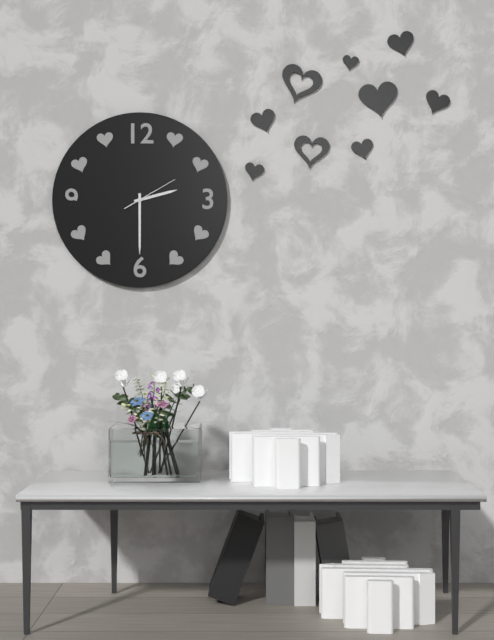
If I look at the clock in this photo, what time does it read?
2:30:10
